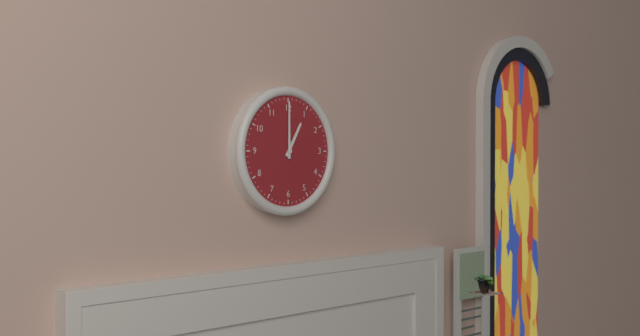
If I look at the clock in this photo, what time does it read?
1:00
